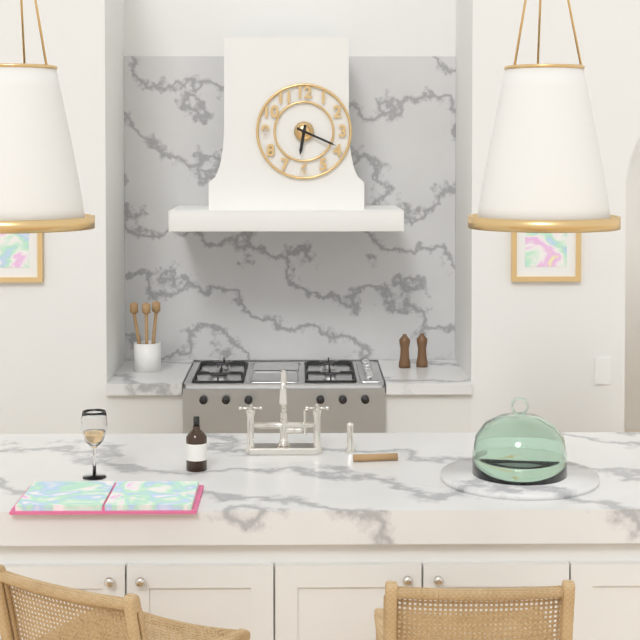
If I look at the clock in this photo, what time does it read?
6:19
